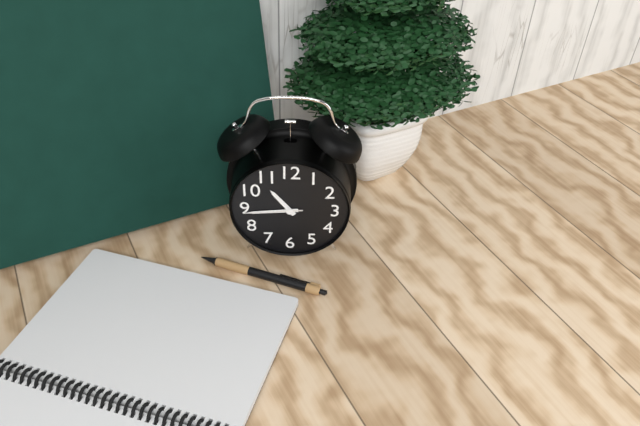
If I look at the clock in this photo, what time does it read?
10:44:44
